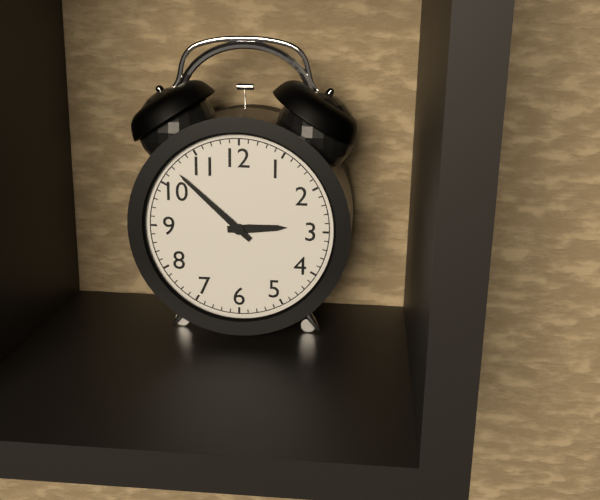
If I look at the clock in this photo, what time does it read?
2:52
